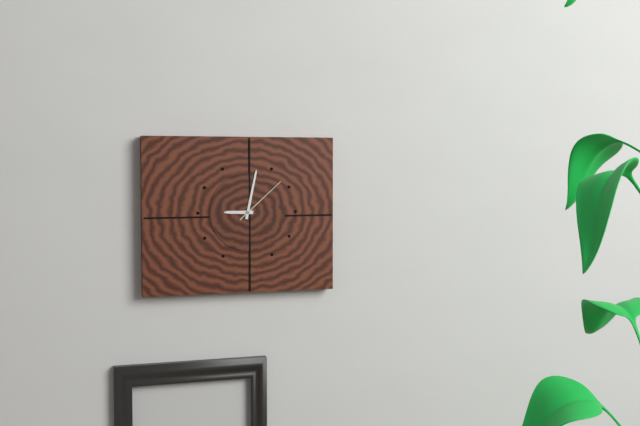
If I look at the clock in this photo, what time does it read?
9:02:08
